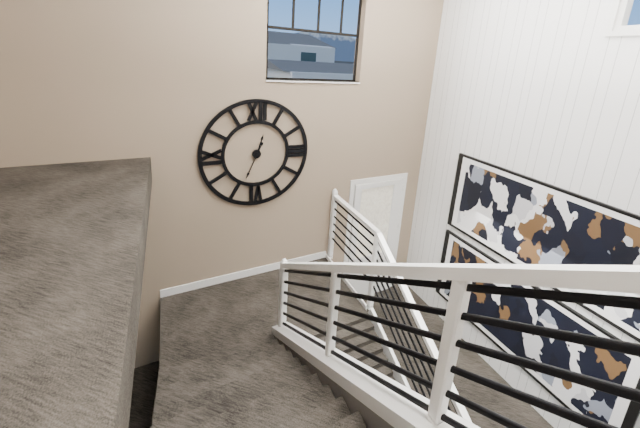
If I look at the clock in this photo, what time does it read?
12:34
